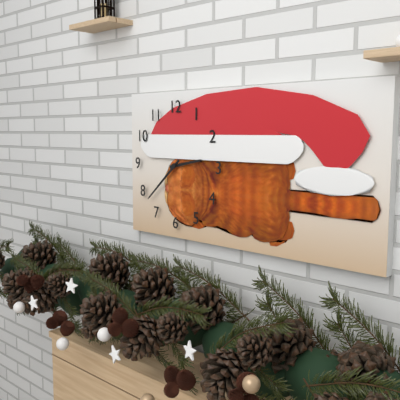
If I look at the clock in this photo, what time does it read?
2:38
